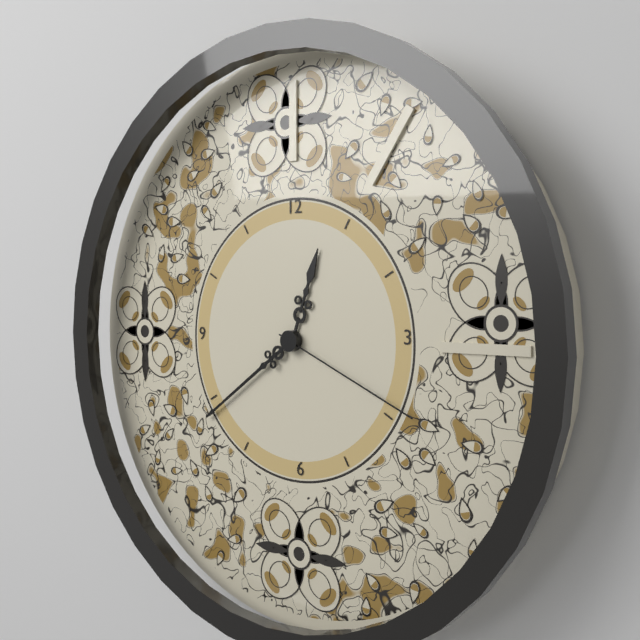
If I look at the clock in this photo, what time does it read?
12:39:19
